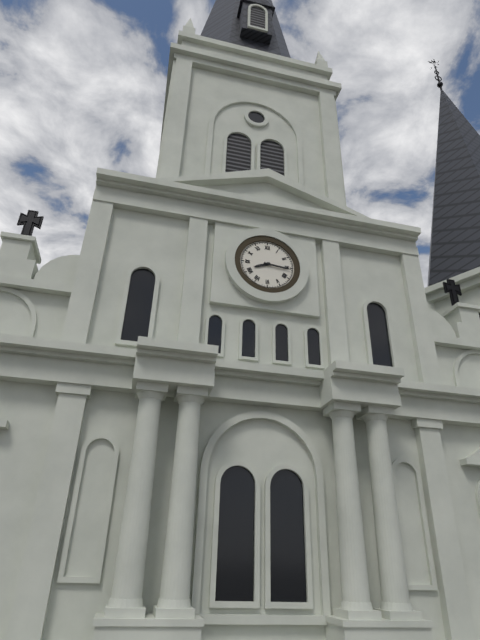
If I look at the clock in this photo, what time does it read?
8:16
